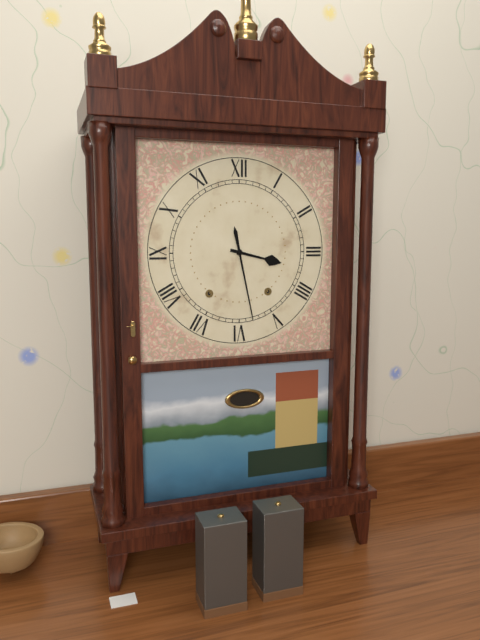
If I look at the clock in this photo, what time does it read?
3:28
